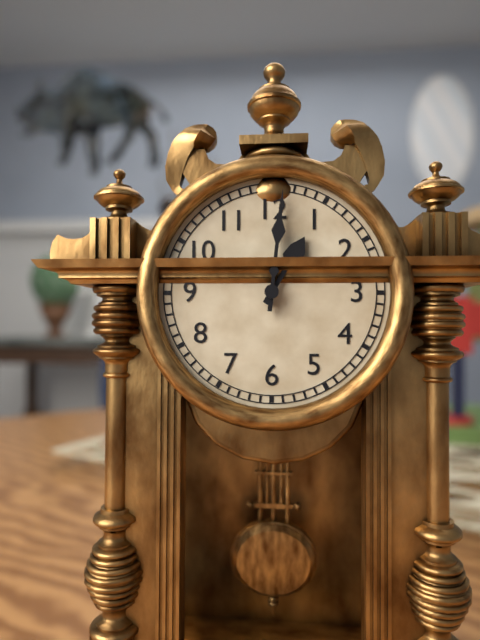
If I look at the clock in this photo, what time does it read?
1:01
